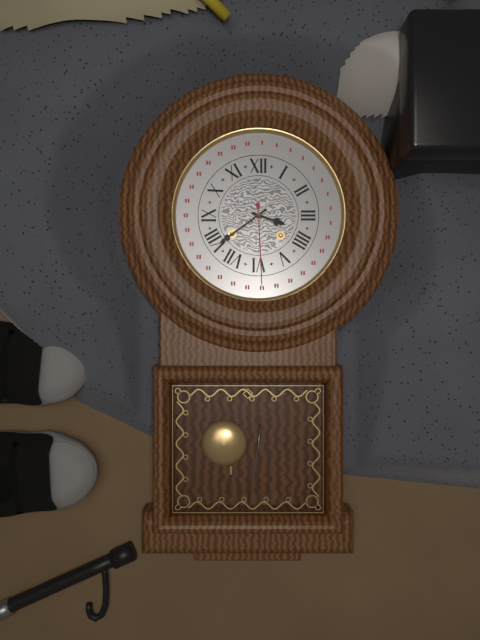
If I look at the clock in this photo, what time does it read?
3:39
